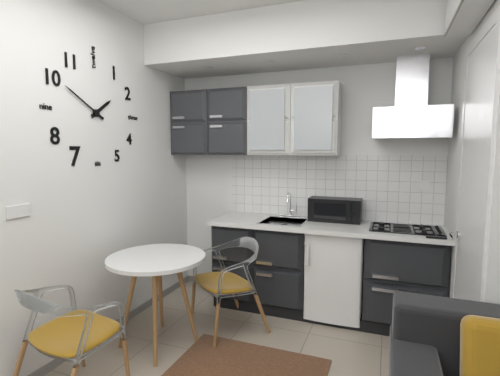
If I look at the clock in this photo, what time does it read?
1:50
